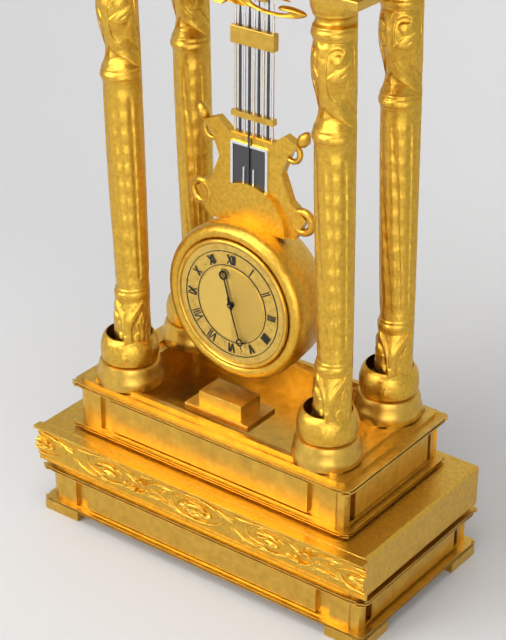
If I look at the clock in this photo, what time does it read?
11:27
